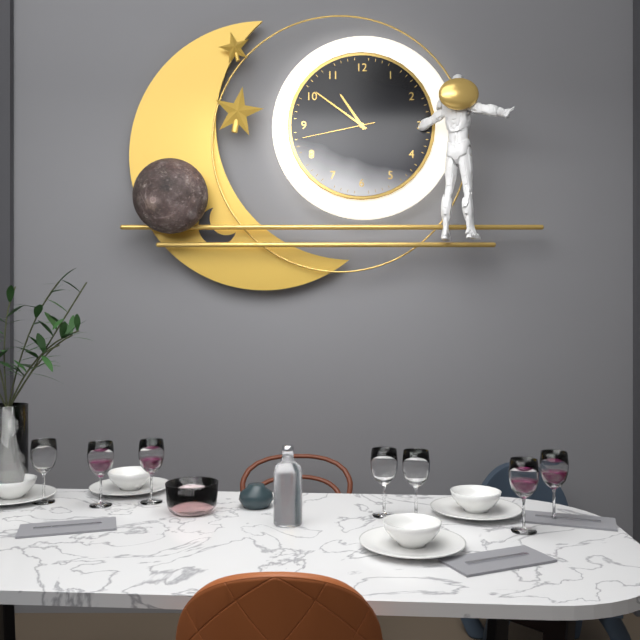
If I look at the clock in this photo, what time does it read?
10:51:43
